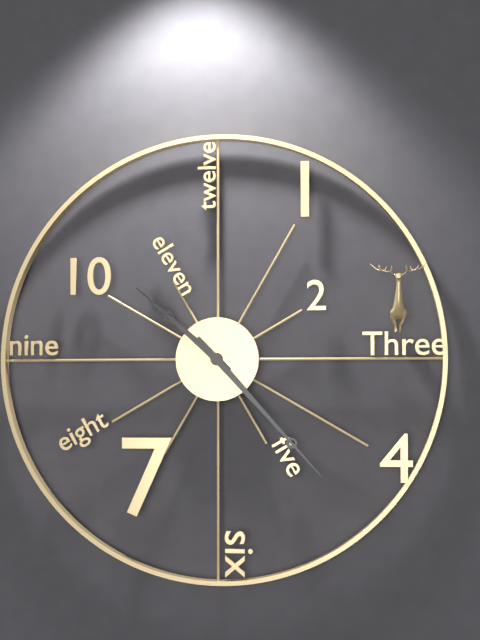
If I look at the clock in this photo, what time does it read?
10:23
